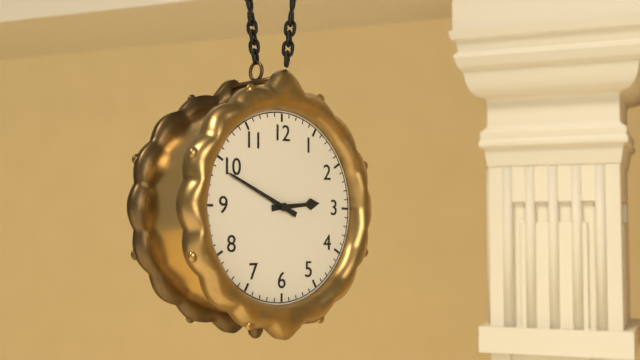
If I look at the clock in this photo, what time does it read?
2:49
